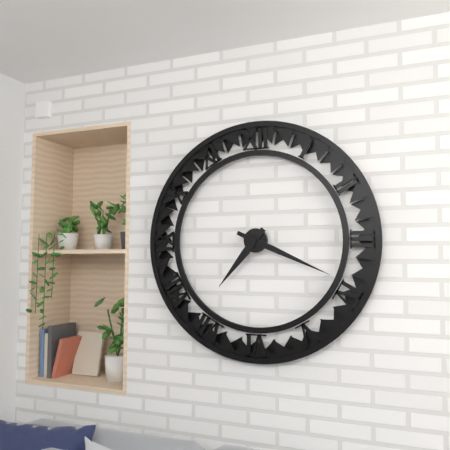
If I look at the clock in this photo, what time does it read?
7:19
